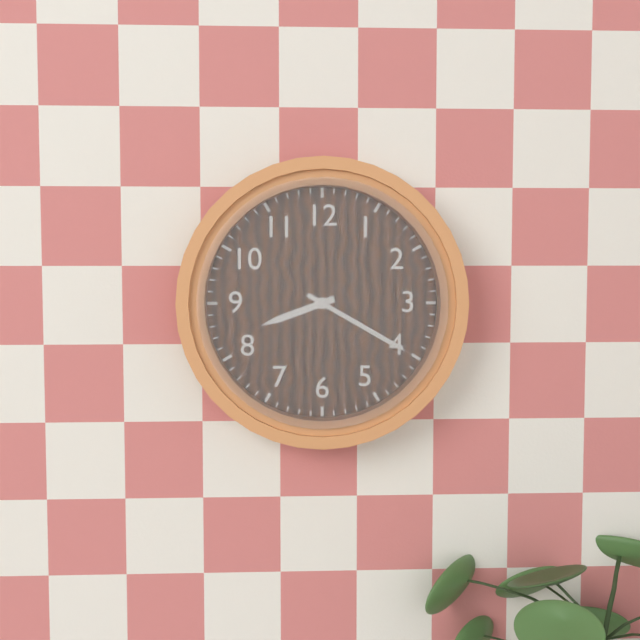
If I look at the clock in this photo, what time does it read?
8:20
